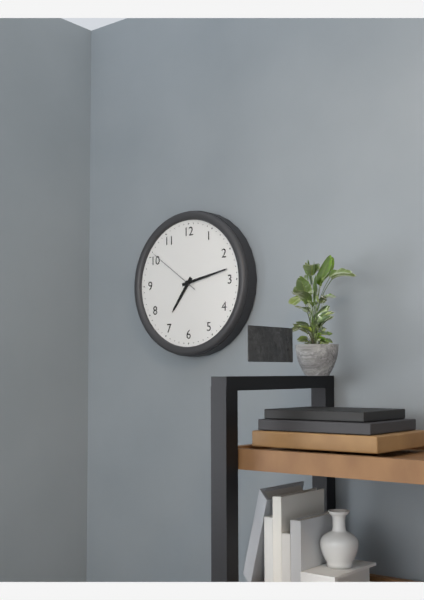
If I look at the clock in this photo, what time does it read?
7:13:51
